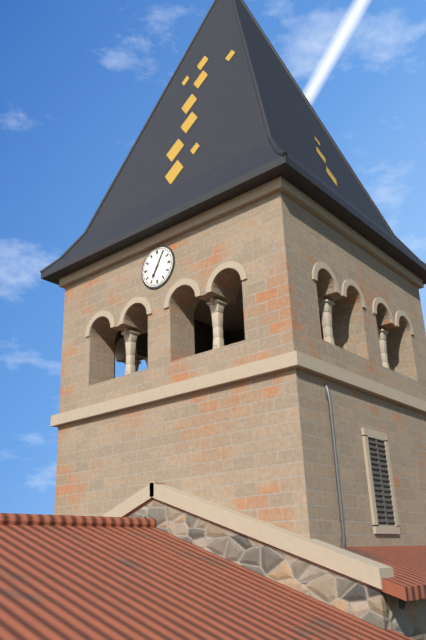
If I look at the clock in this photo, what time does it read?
7:05
